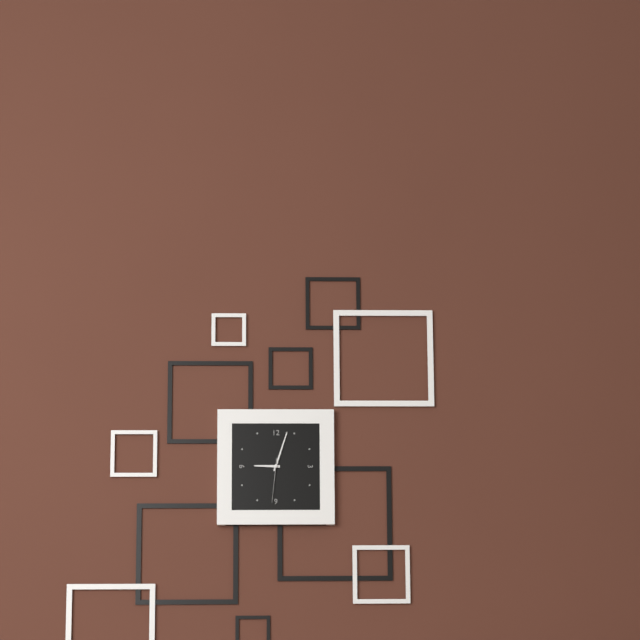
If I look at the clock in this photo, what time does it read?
9:03
